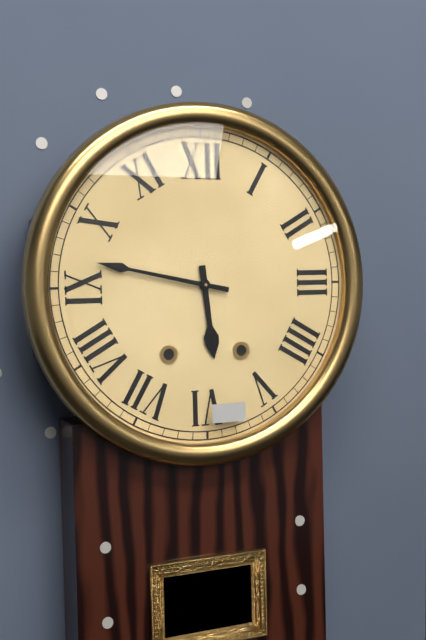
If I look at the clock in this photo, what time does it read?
5:47
